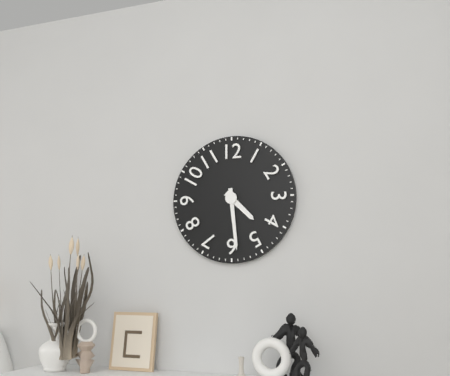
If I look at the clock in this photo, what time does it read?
4:29
